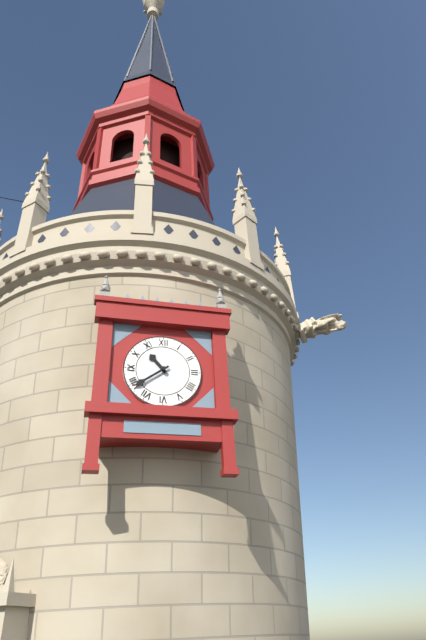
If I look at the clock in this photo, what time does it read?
10:39
